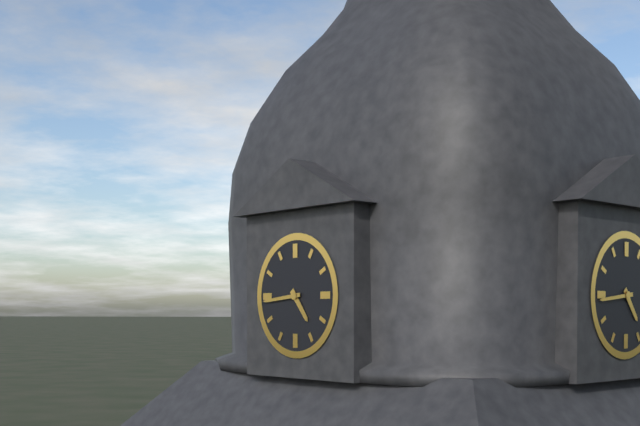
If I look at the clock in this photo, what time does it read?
4:44
